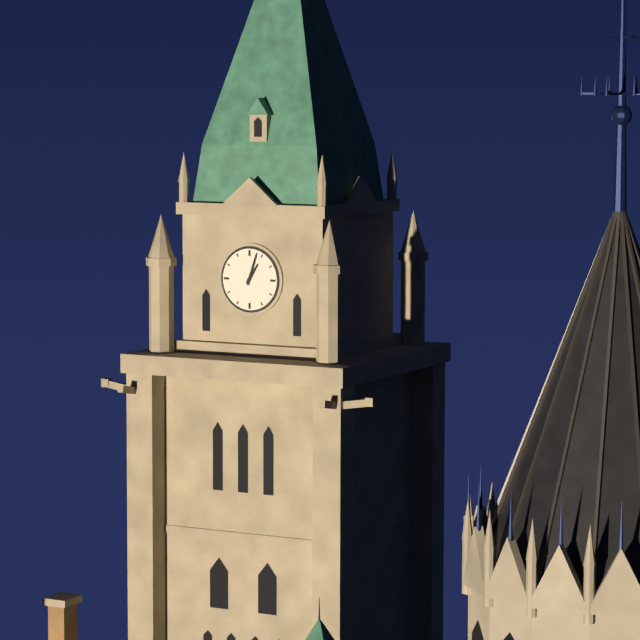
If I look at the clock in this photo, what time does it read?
1:03
